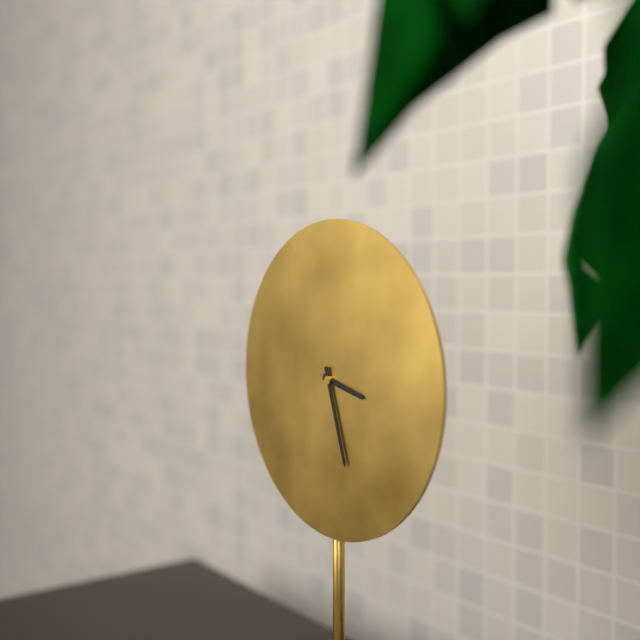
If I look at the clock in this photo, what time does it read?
3:27
